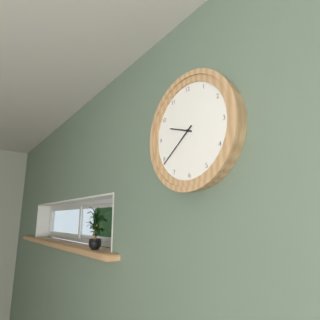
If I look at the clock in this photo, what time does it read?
9:39
